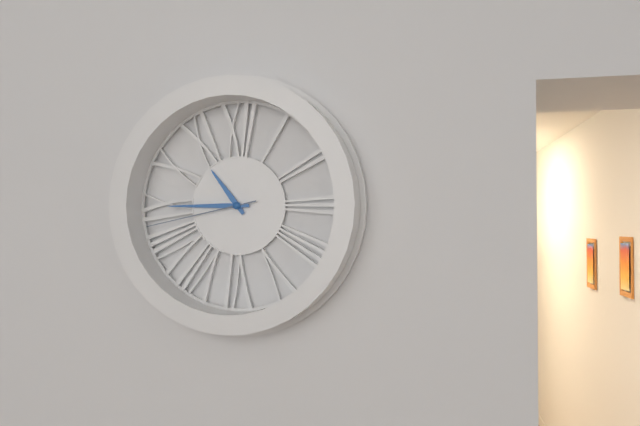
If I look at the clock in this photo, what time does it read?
10:45:43
